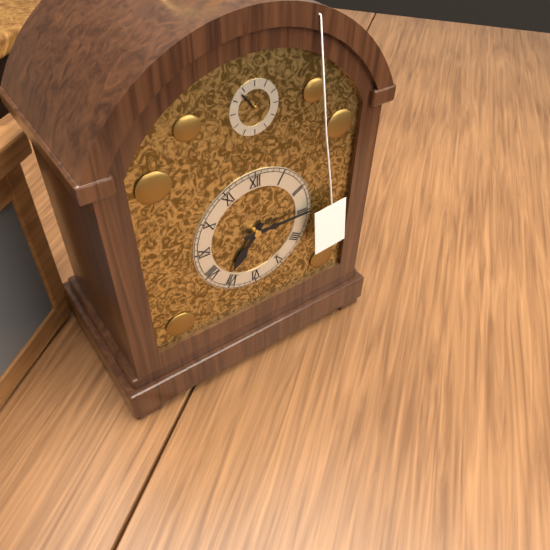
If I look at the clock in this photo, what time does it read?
7:15
